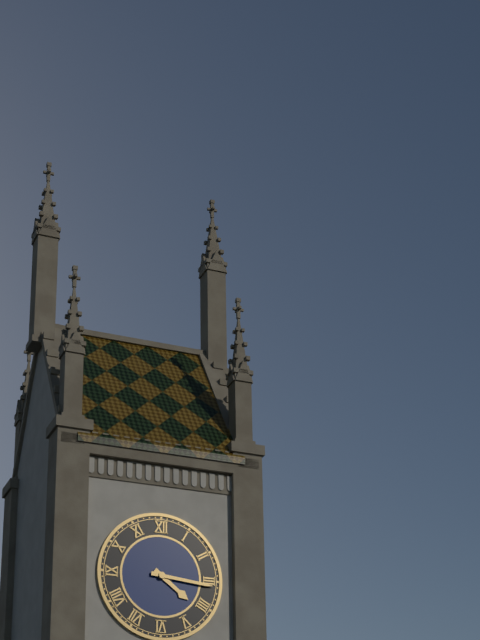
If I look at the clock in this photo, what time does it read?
4:16
